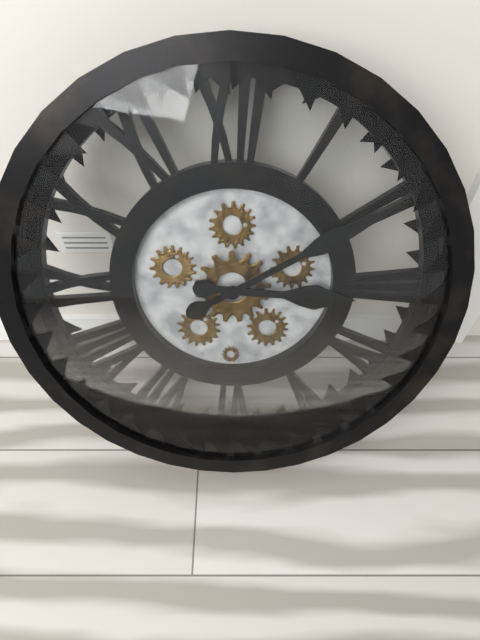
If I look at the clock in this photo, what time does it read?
3:10
